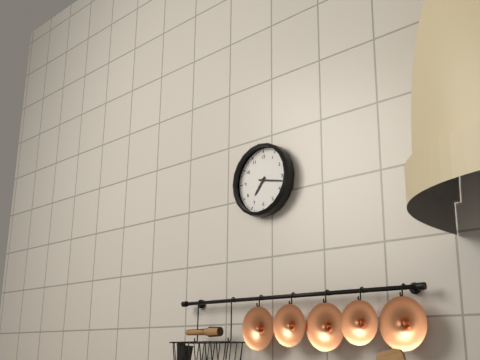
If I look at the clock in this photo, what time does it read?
7:17
